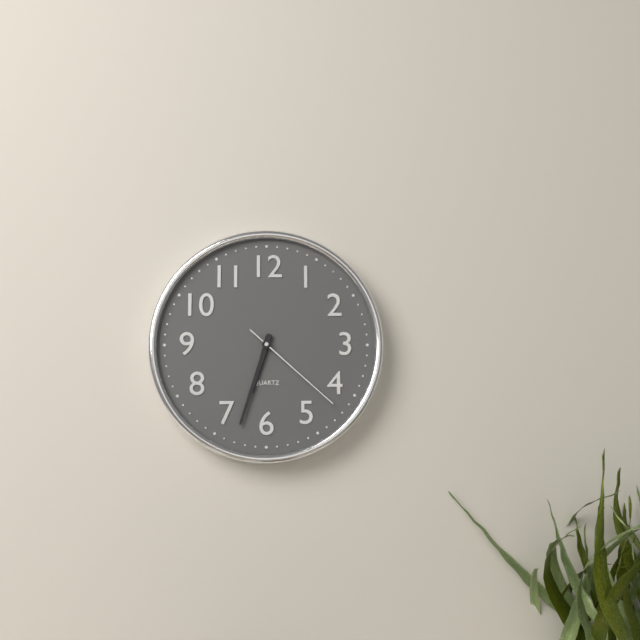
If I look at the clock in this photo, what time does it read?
6:33:22
